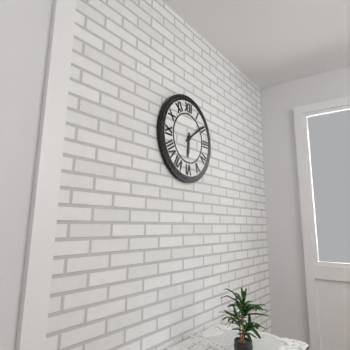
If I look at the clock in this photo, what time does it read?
6:09
